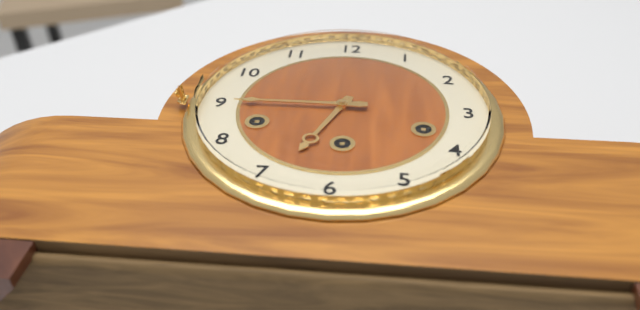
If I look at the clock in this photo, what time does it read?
6:45
